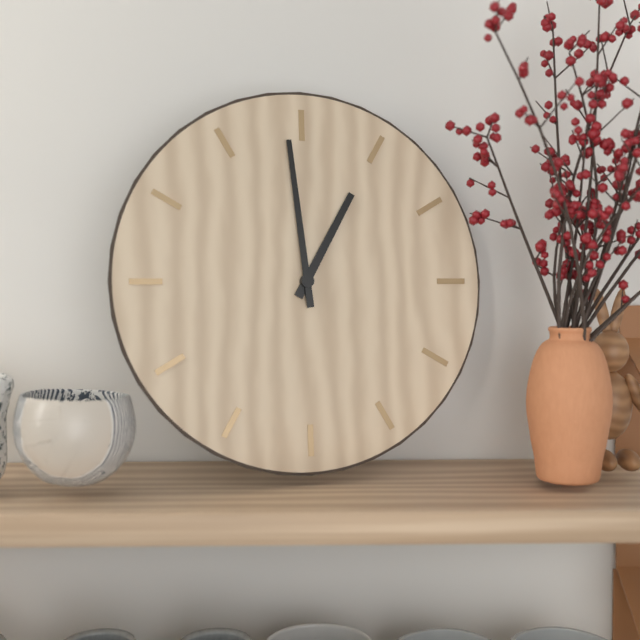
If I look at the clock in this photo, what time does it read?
12:59
